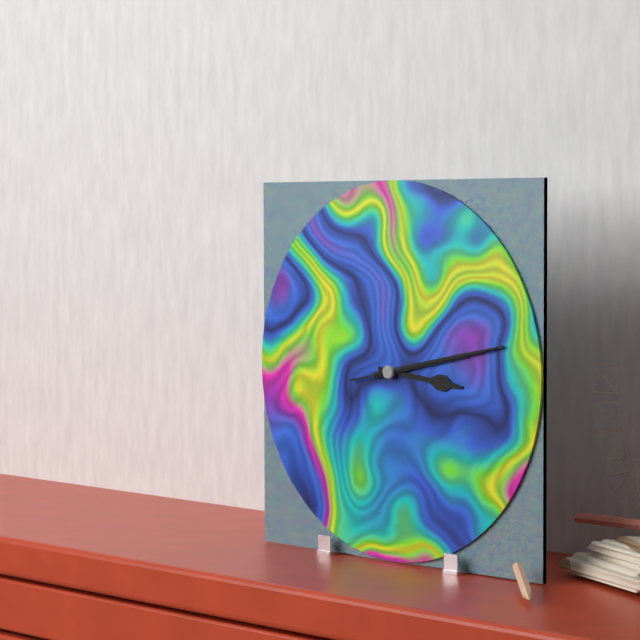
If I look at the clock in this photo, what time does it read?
3:13:13
